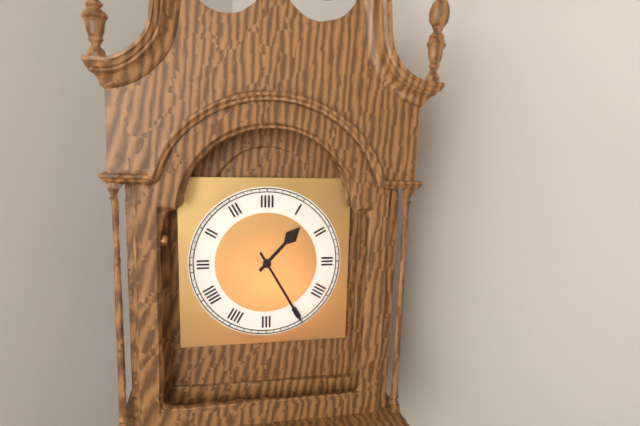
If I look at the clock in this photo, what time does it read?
1:25
